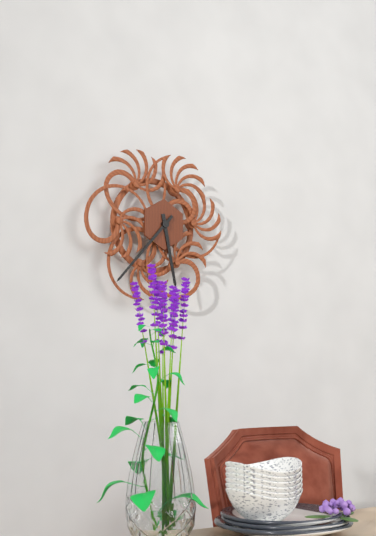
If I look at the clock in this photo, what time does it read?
5:37
